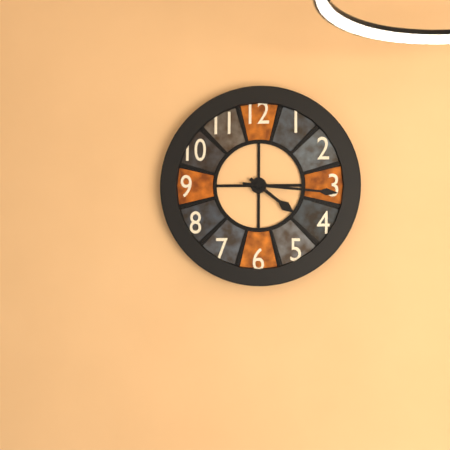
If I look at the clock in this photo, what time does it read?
4:16
